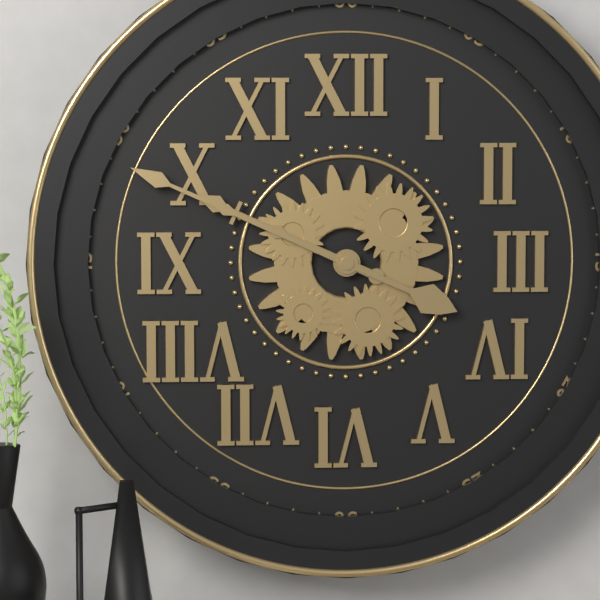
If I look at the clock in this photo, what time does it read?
9:49
